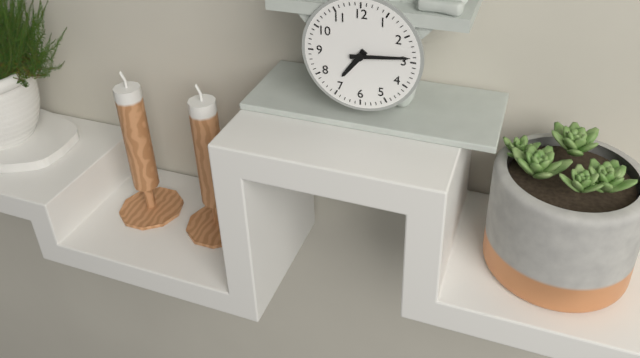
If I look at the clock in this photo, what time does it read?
7:14
